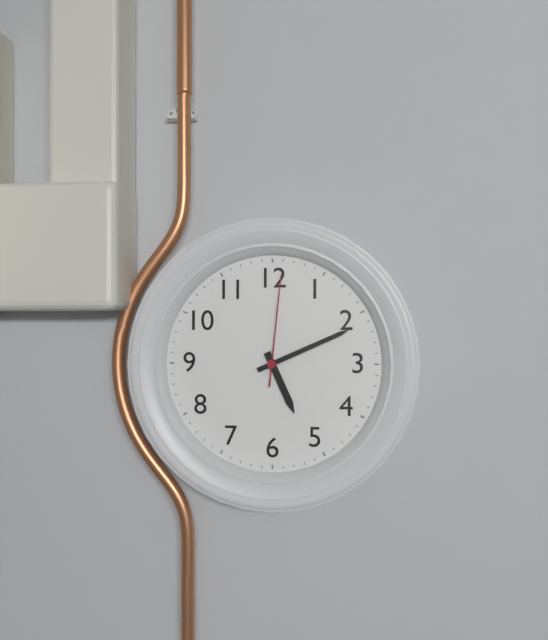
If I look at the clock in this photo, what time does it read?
5:11:01
